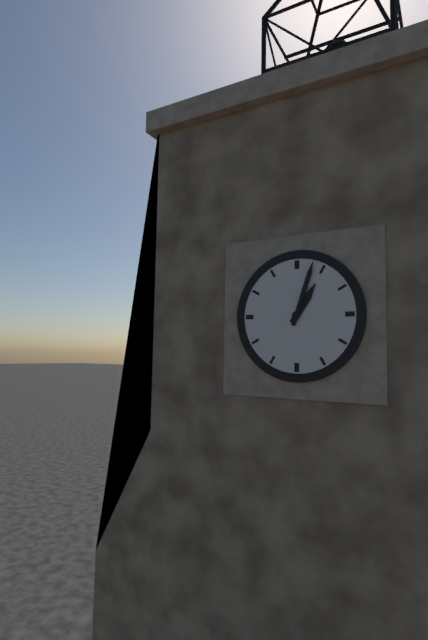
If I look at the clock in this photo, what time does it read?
1:03
